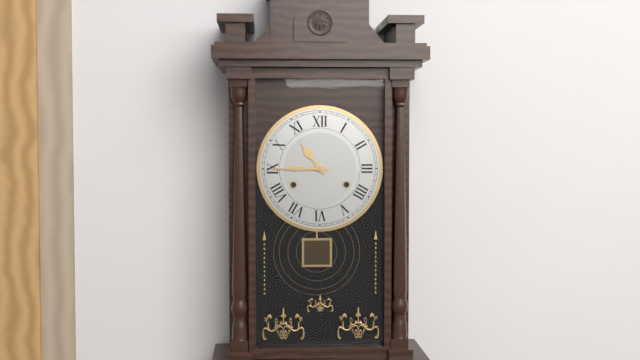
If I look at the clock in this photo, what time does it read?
10:45
